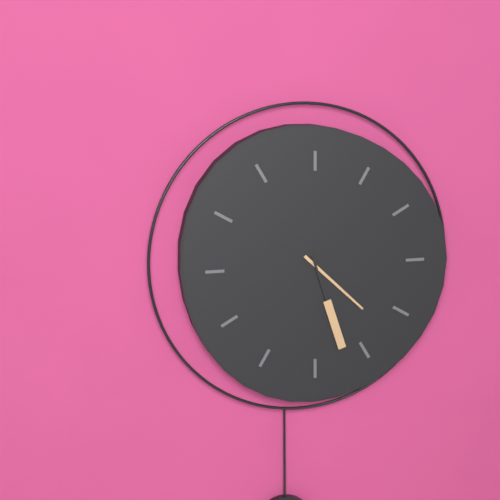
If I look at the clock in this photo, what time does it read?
4:27
